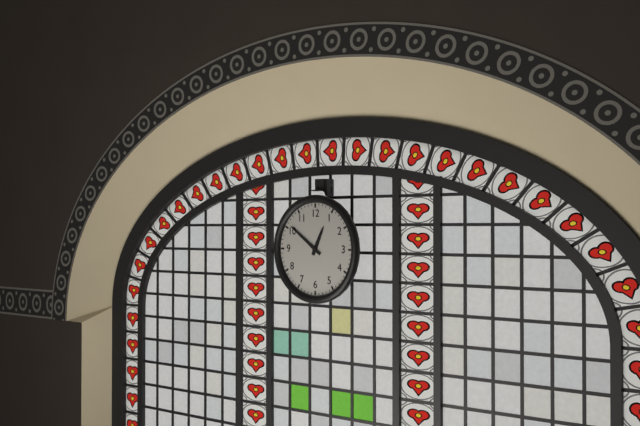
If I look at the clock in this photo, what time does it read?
12:51
